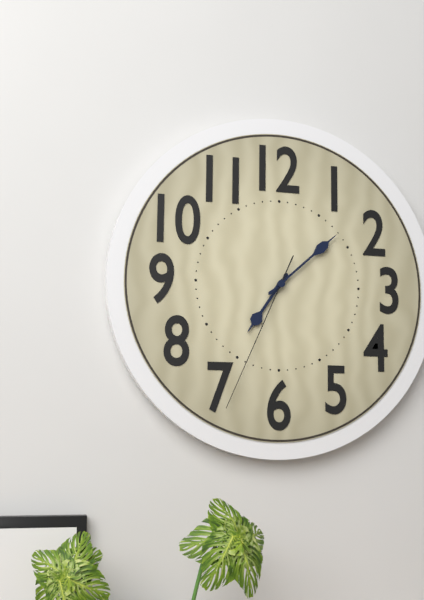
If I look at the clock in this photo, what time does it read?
7:08:34
